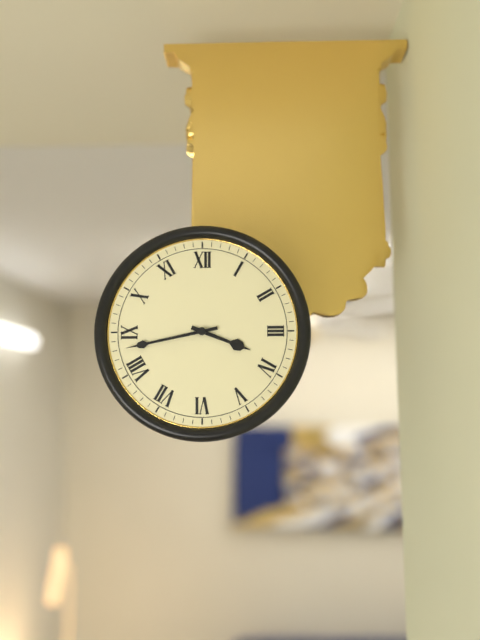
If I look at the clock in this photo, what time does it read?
3:43
